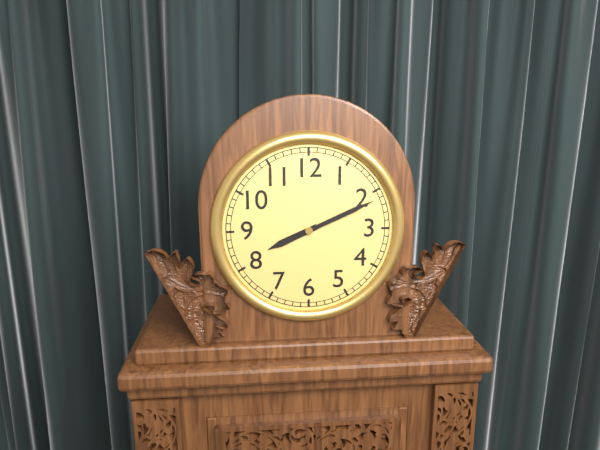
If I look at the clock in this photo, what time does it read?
8:11
